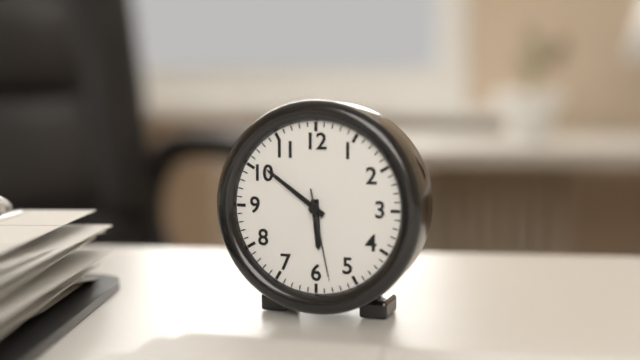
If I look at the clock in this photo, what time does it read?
5:51:28
